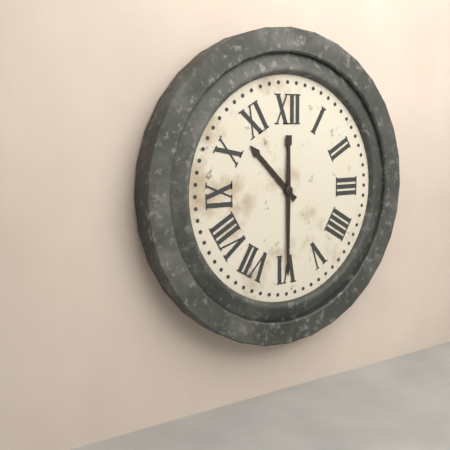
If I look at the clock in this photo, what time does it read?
10:30
